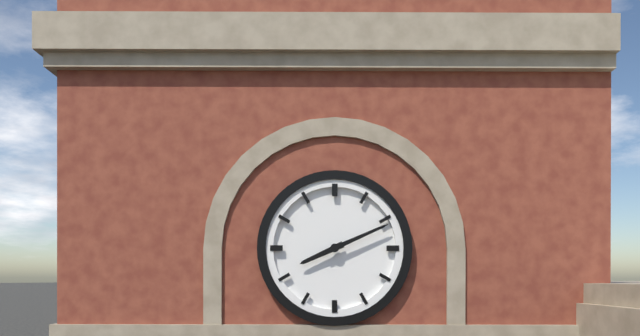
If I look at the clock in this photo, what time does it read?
8:11
